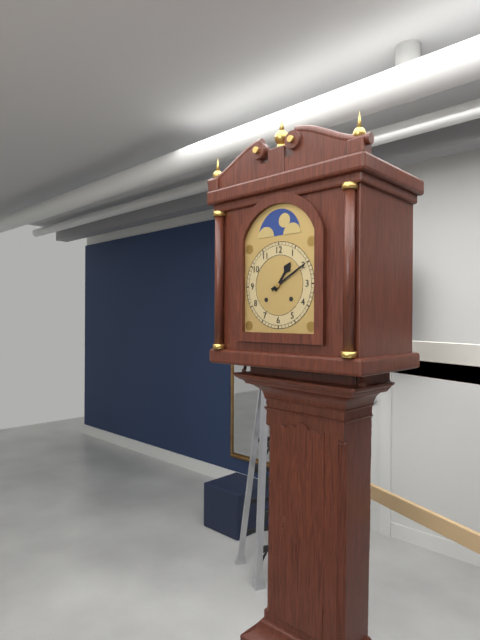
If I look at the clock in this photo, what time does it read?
1:10
